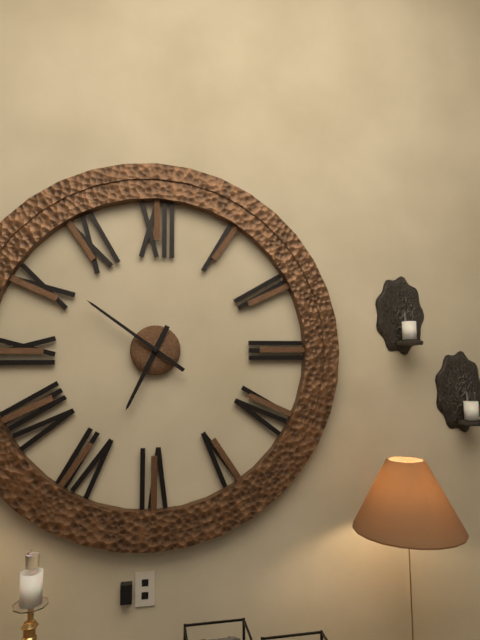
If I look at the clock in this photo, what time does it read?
6:51
